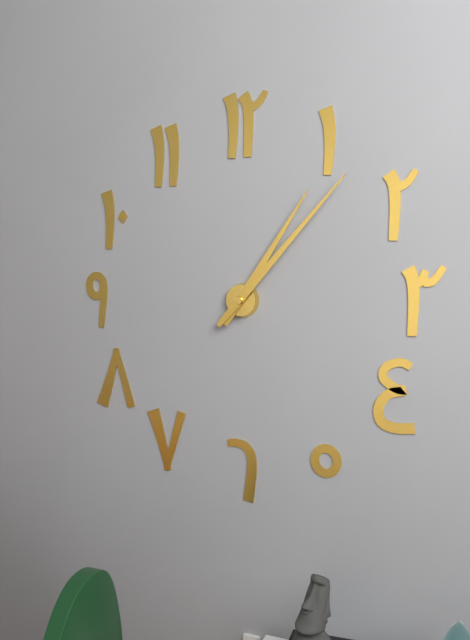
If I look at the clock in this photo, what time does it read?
1:07
